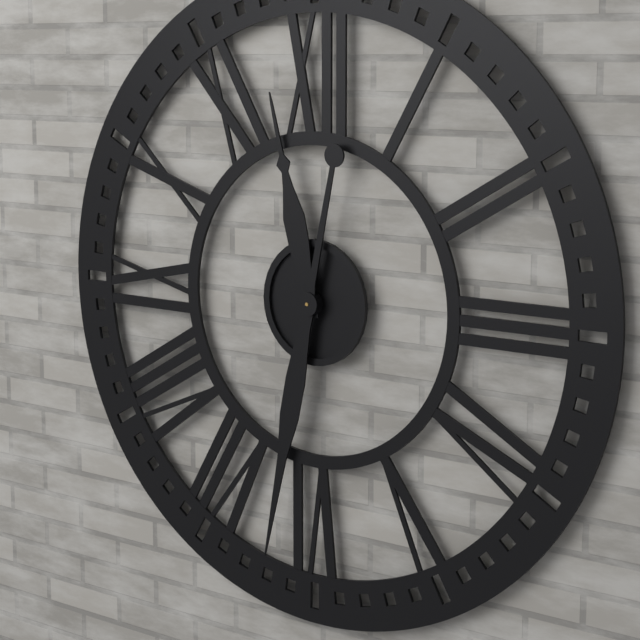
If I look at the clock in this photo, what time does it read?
11:32
